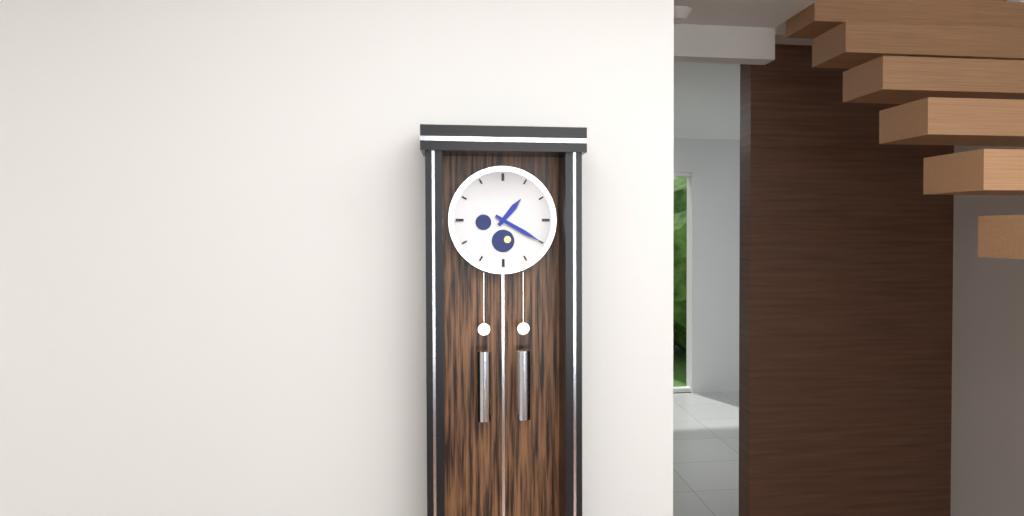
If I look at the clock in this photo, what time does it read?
1:20
